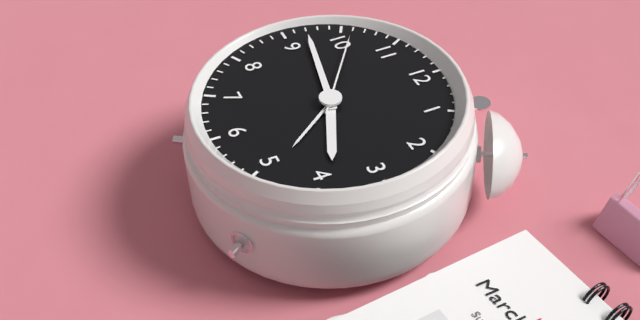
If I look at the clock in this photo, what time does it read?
3:47:51
